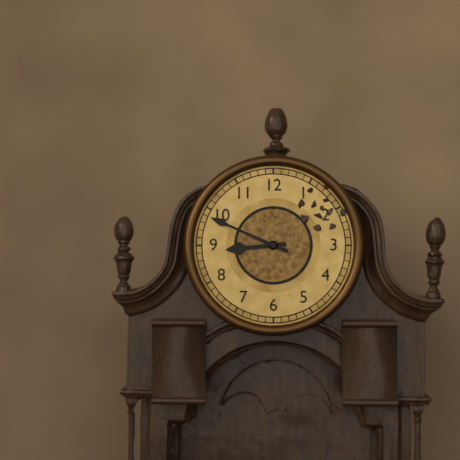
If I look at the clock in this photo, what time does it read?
8:49
